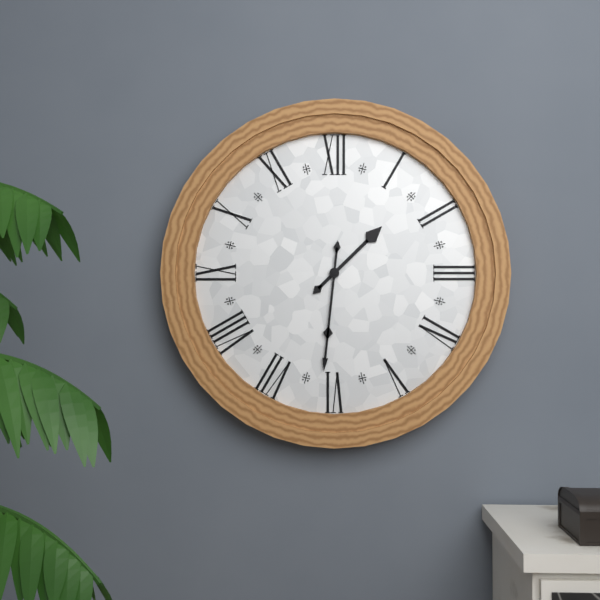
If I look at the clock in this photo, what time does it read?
1:31
